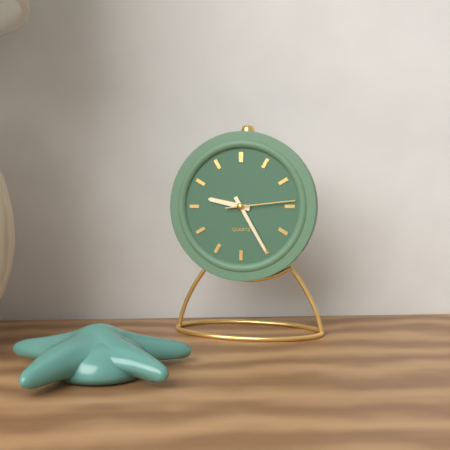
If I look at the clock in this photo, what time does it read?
9:25:14
